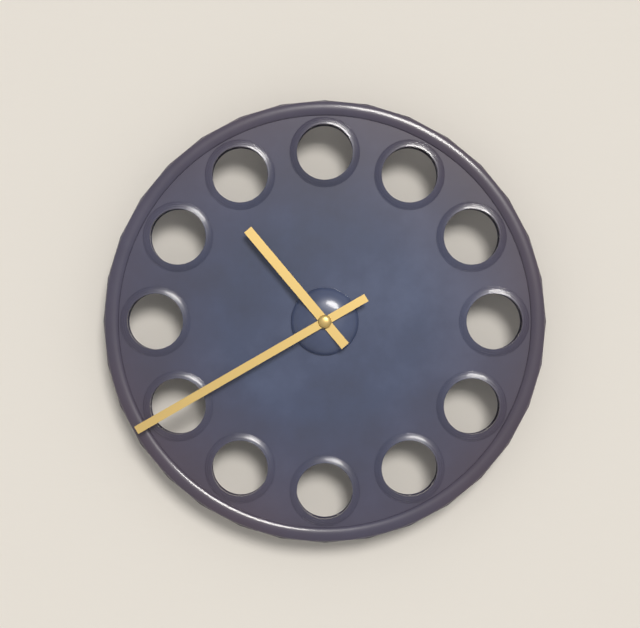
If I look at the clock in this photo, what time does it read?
10:40
